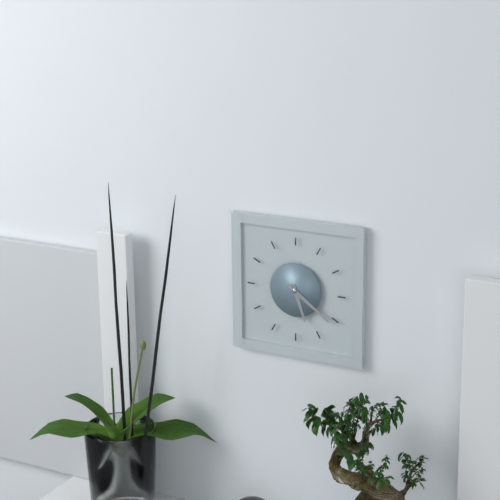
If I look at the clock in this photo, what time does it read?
5:21
